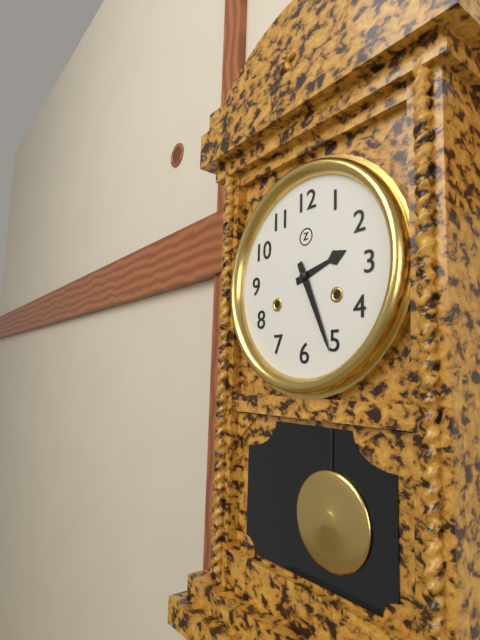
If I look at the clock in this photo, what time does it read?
2:26
